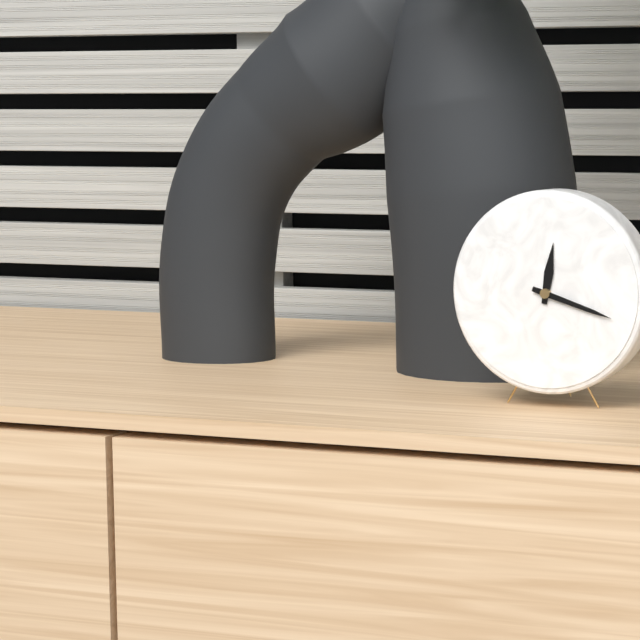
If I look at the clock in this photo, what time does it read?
12:18
